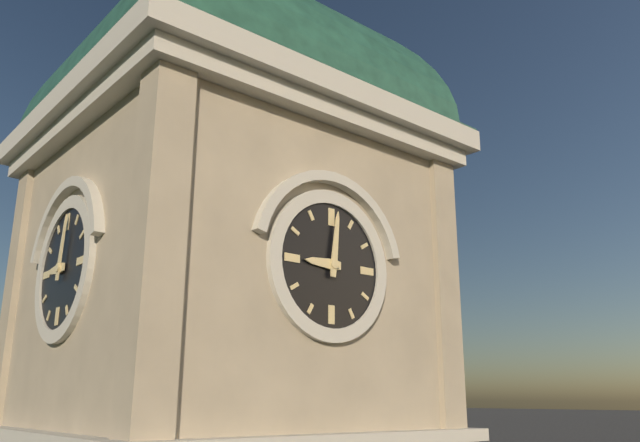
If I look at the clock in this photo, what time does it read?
9:01
